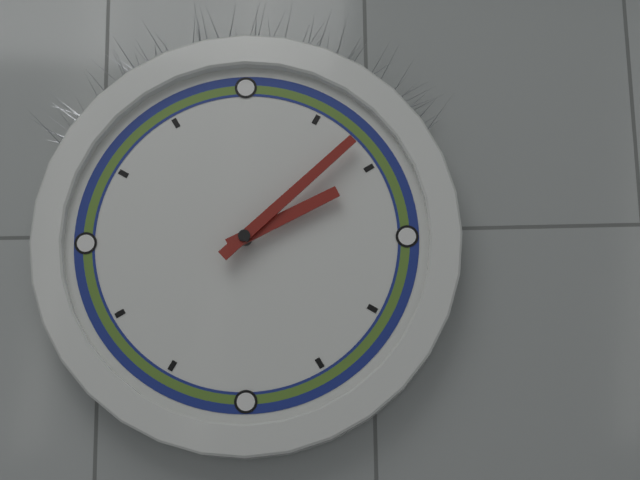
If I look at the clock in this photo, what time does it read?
2:08
